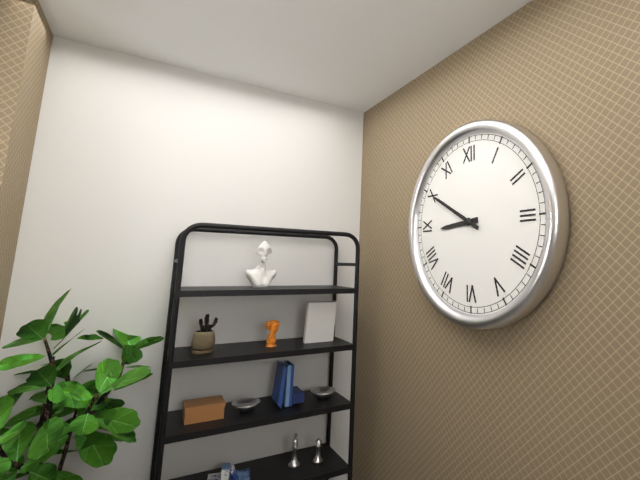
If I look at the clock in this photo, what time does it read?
8:50
